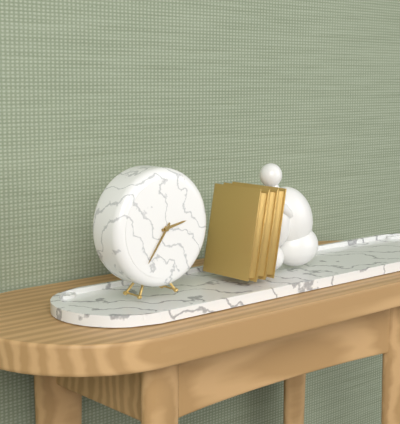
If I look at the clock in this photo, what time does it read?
2:36
